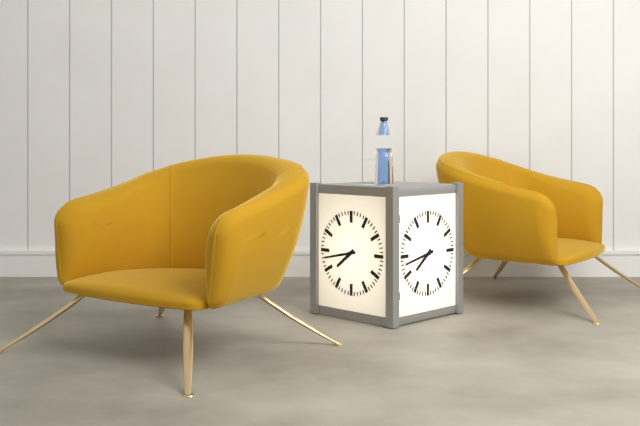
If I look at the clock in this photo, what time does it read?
7:43
